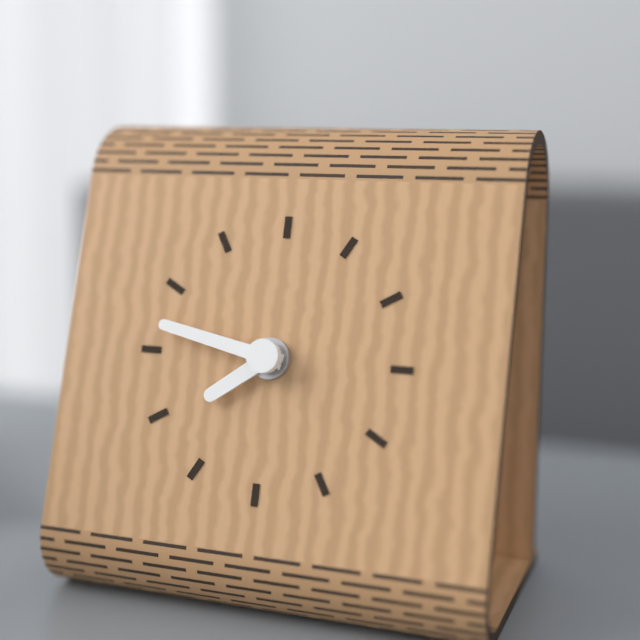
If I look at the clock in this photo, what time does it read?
7:47
